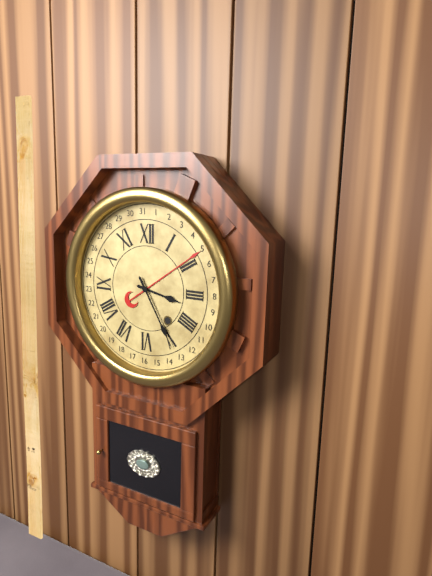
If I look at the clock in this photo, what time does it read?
3:25
